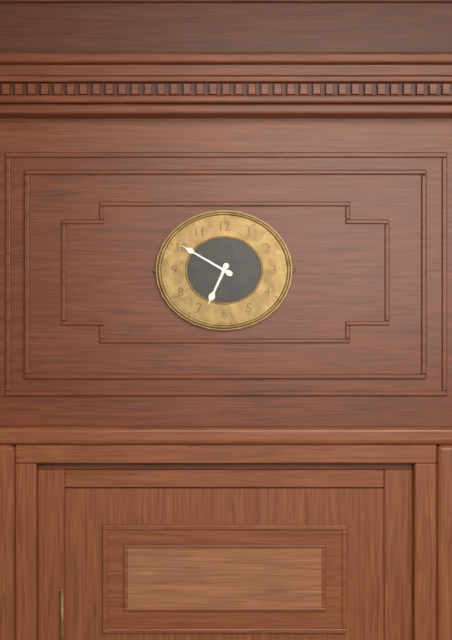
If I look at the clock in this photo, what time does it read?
6:50
